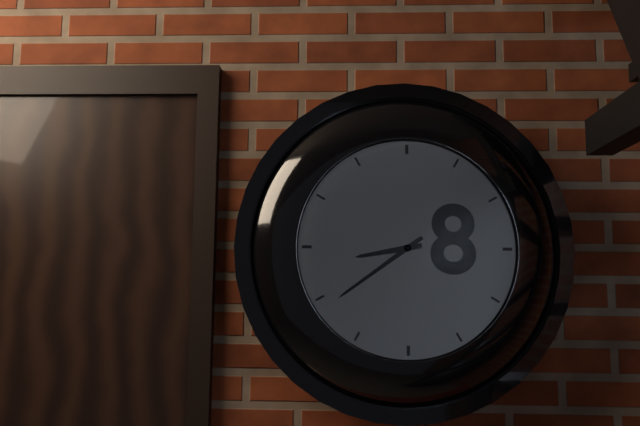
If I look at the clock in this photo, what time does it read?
8:39
